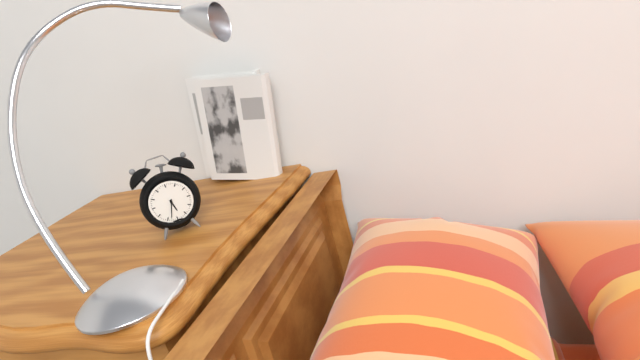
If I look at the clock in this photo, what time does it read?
5:33
